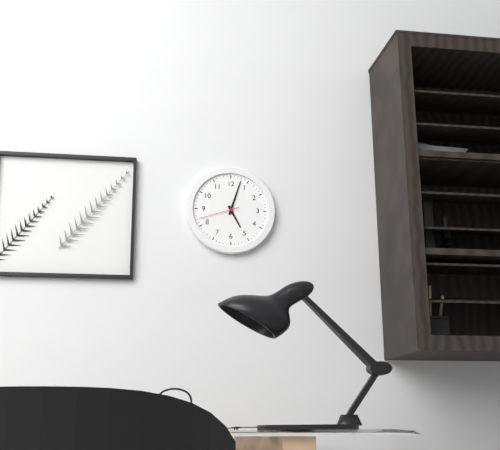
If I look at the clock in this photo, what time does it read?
5:03
